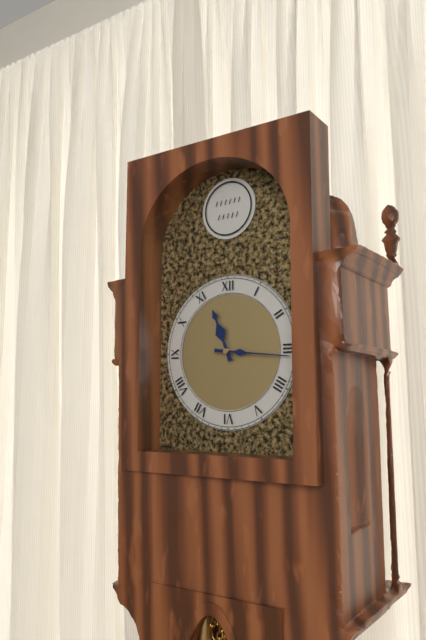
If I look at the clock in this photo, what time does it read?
11:16
